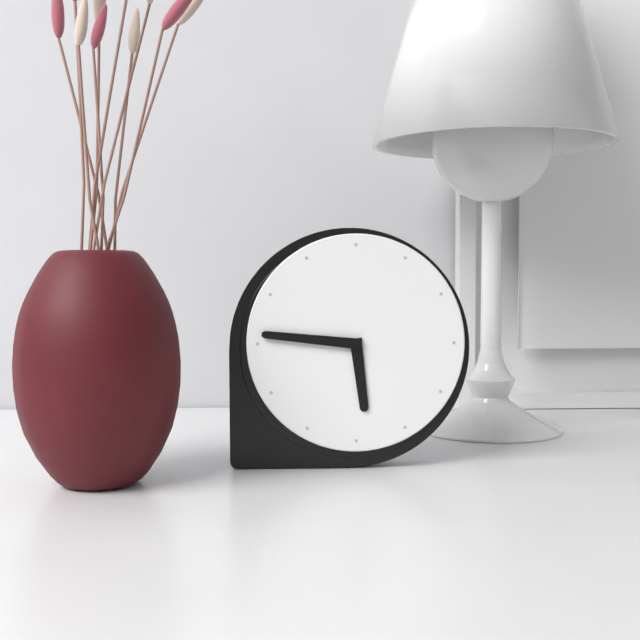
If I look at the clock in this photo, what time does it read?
5:46
